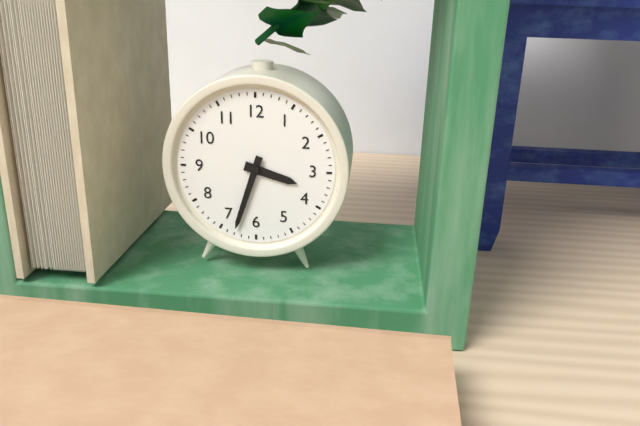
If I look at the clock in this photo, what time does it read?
3:33
